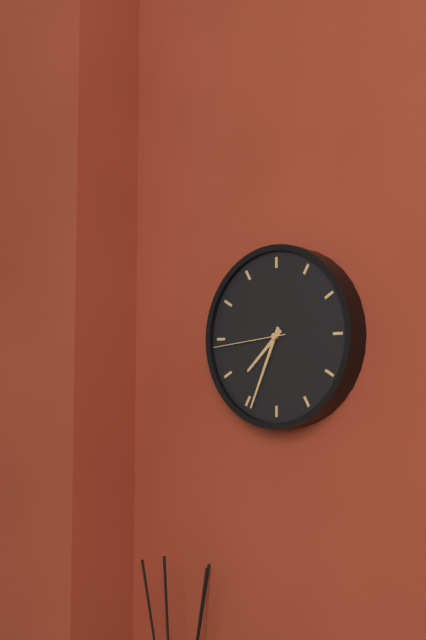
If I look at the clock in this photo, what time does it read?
7:34:44
